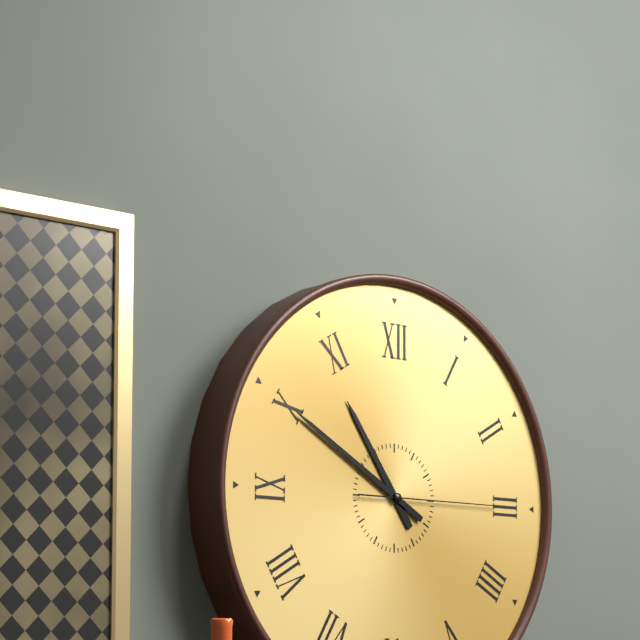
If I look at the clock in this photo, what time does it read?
10:50:15
